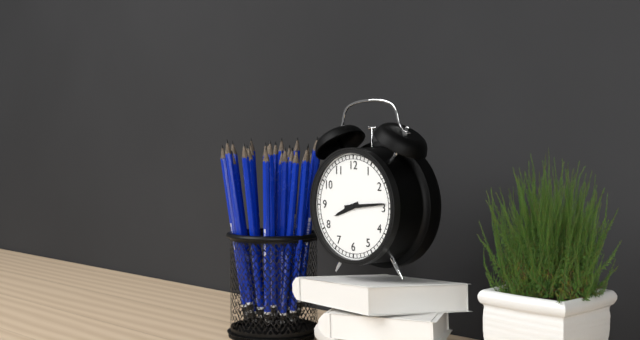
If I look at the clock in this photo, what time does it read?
8:14
